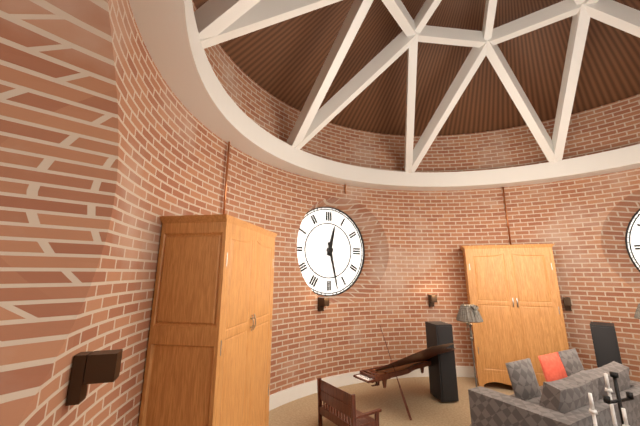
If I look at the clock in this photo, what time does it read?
12:28
